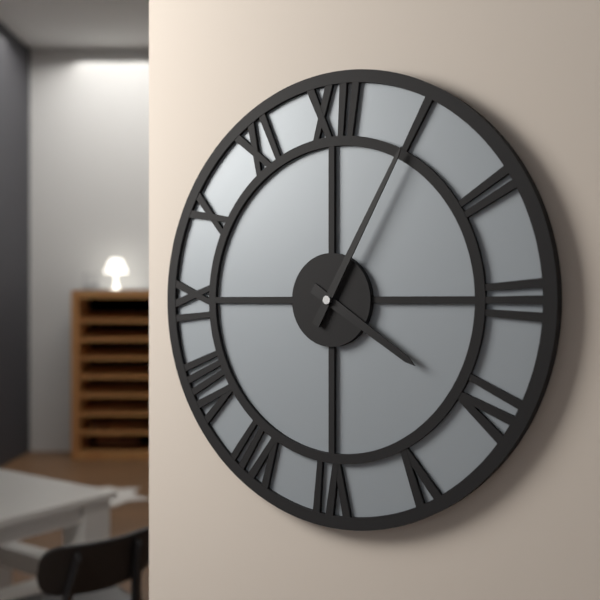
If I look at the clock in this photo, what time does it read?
4:05
